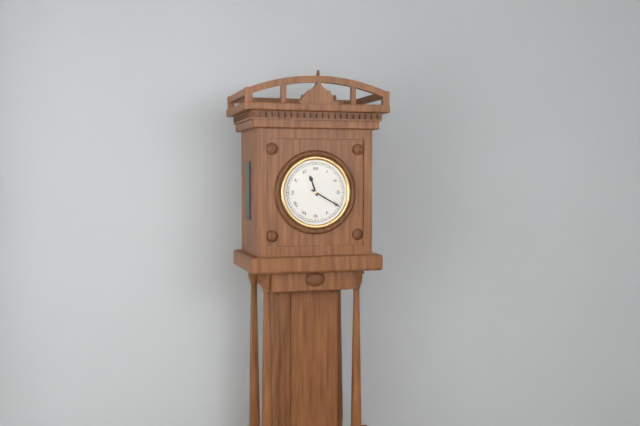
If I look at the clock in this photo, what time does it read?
11:20
